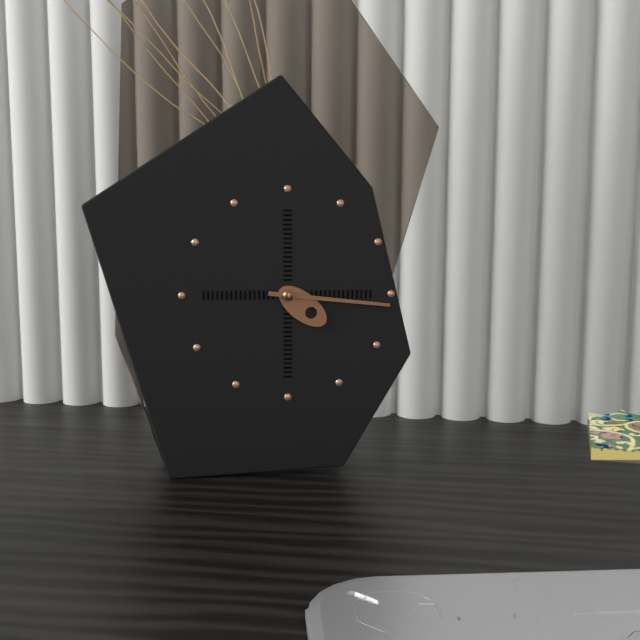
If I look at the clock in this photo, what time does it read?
4:16
